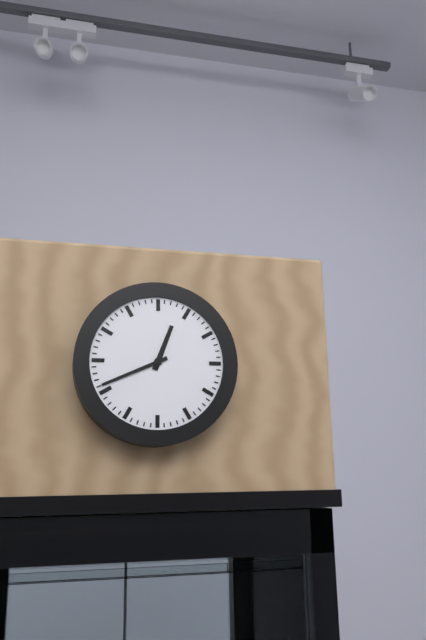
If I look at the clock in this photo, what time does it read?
12:41
